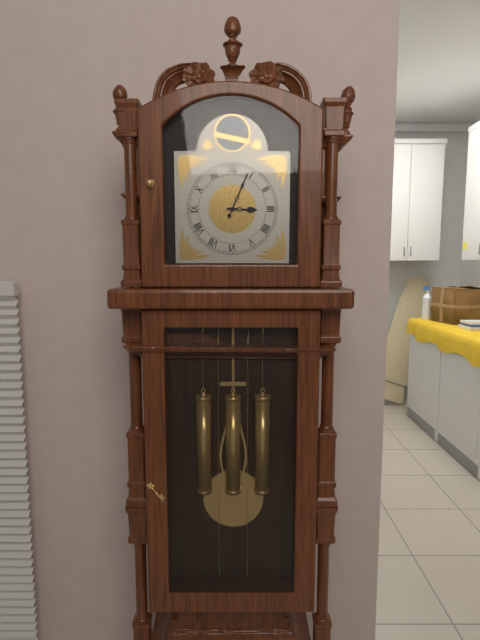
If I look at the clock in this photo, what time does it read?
3:04
